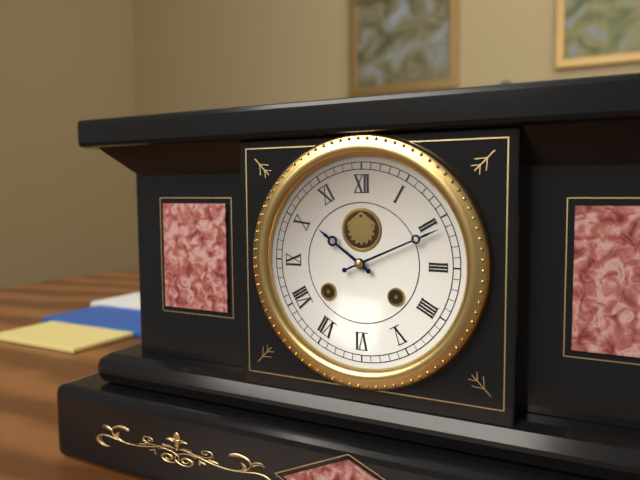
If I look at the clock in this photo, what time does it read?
10:11
